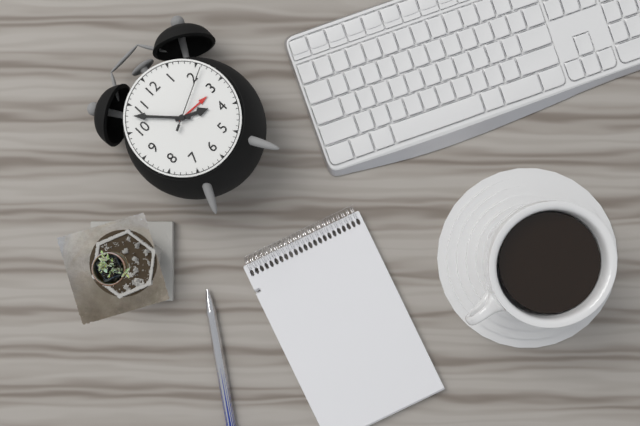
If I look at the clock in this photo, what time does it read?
3:53:11
